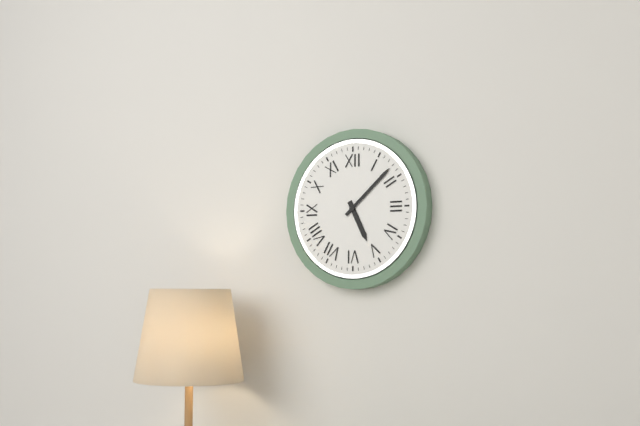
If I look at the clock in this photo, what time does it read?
5:08
